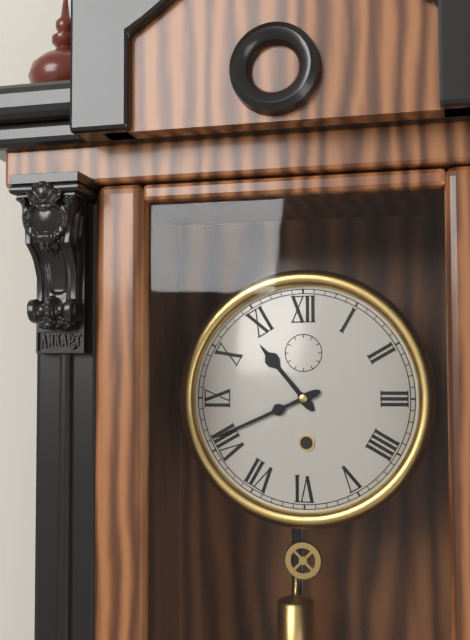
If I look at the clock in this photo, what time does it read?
10:41
